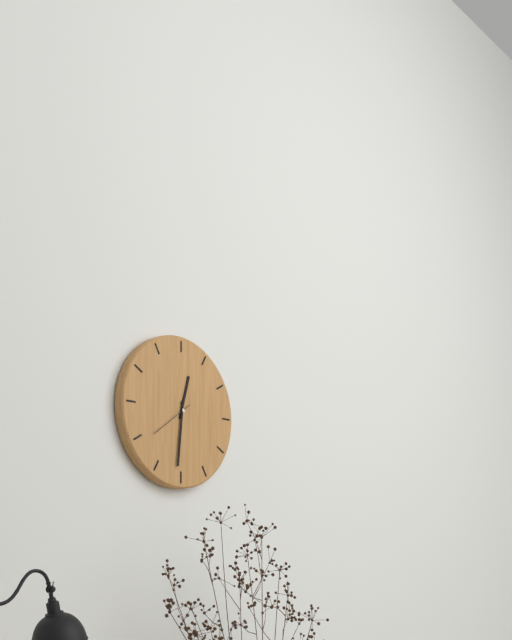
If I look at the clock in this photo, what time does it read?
12:31
